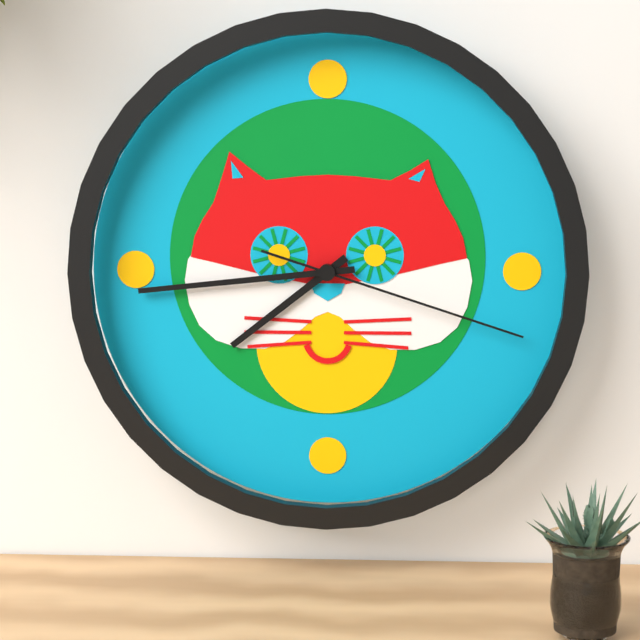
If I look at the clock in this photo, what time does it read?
7:44:18
